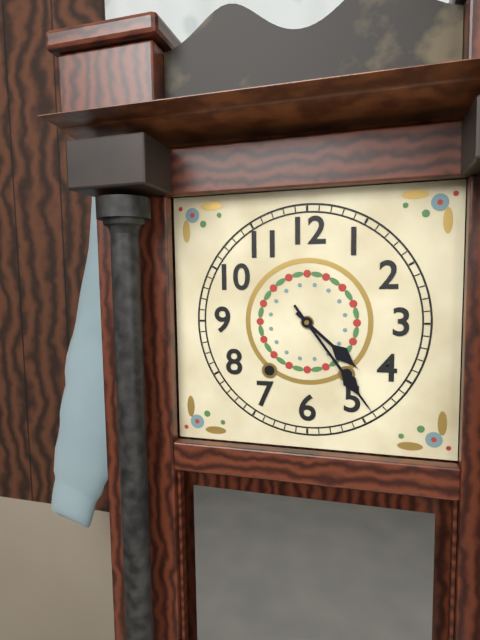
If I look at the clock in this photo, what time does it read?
4:24
